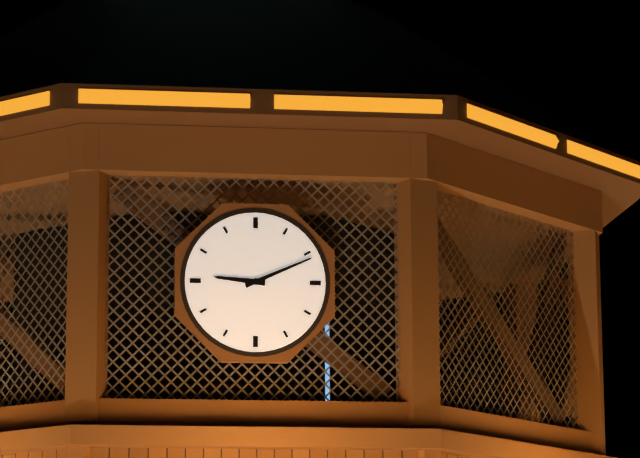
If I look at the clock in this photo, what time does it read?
9:11
